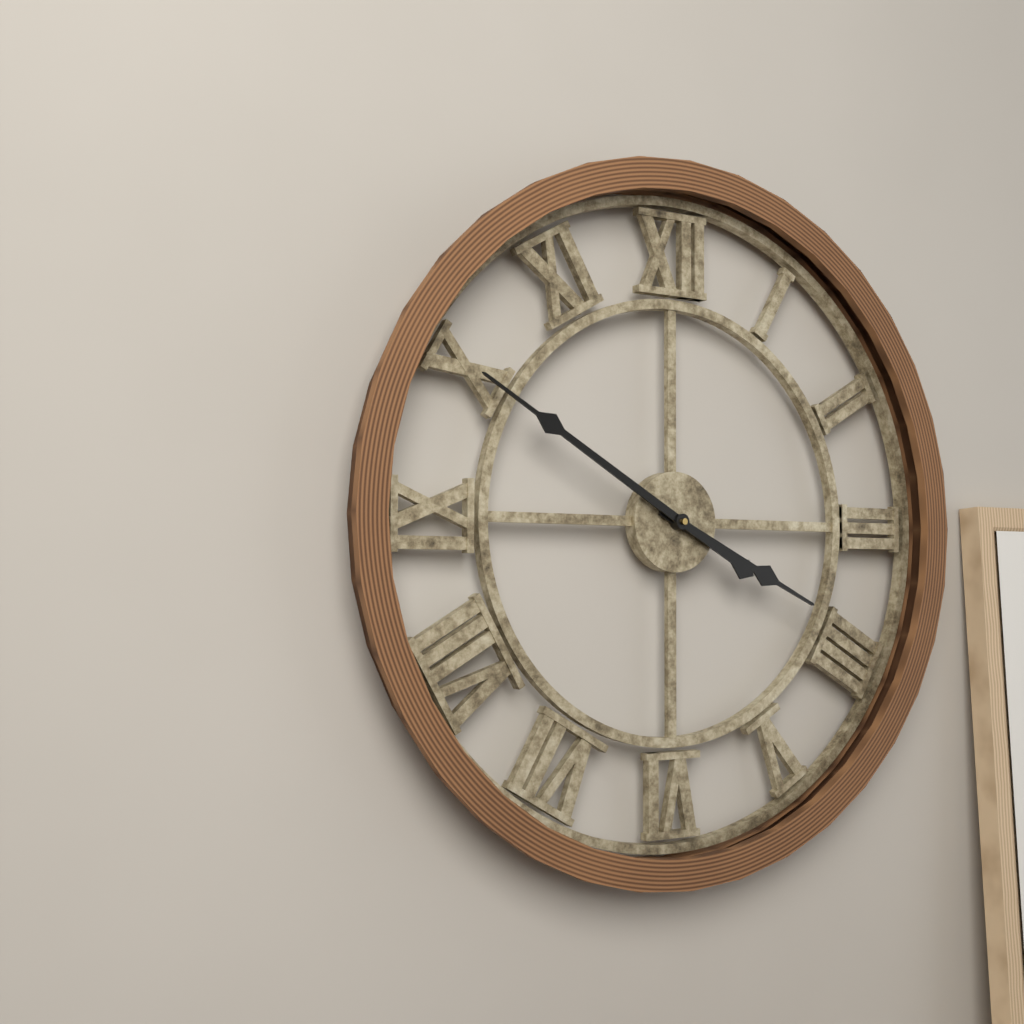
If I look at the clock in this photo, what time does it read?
3:50
